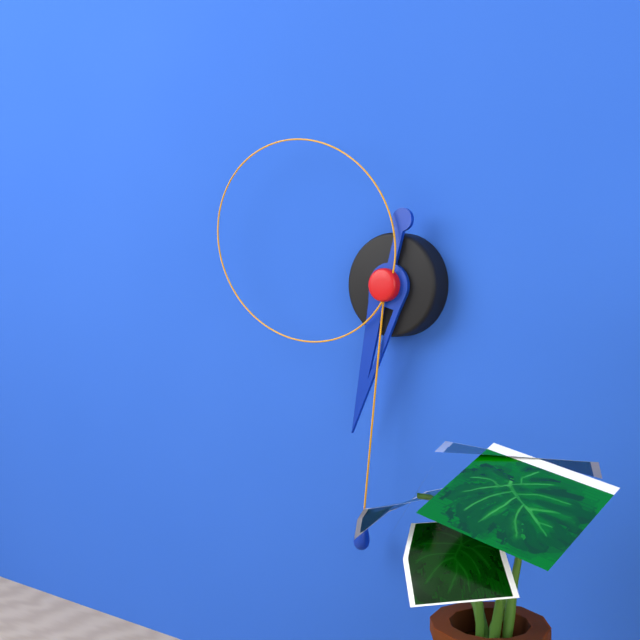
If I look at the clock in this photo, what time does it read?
6:31:49
